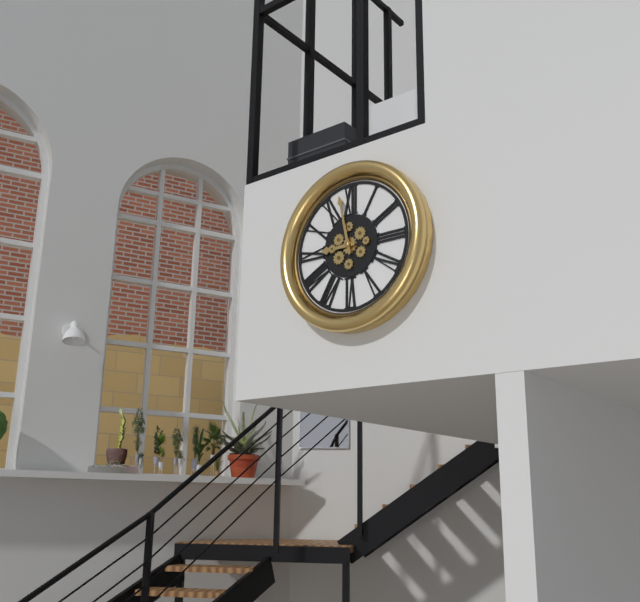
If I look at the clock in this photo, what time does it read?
8:58
